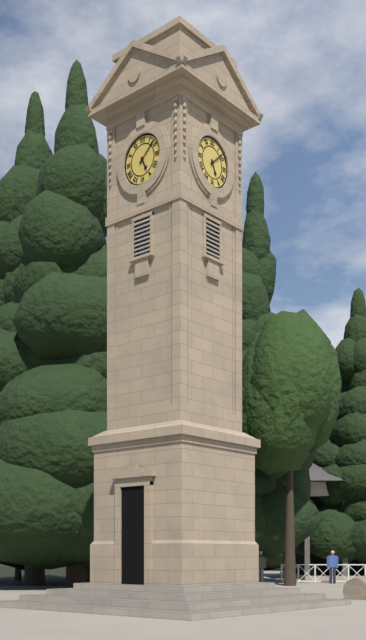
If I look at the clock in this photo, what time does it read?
5:08
